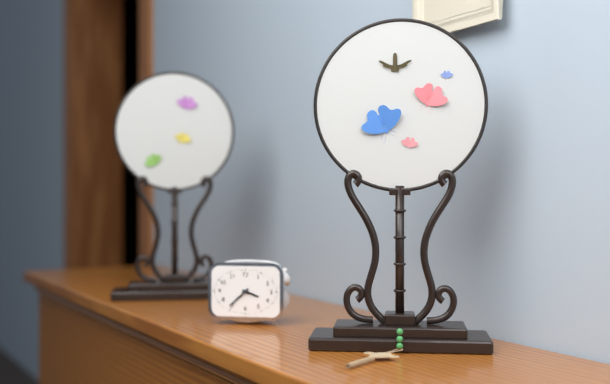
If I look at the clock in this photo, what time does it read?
3:38
